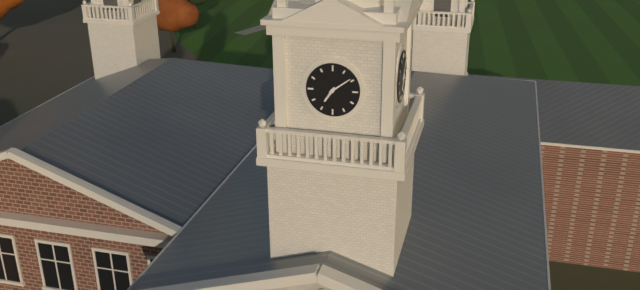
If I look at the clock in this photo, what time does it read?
7:09
